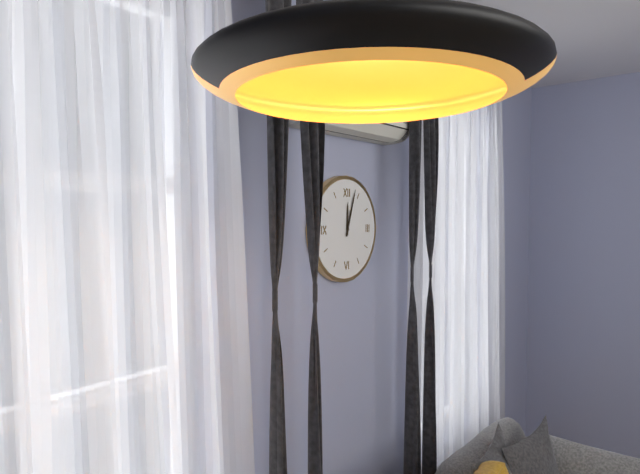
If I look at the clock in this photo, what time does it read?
12:03
